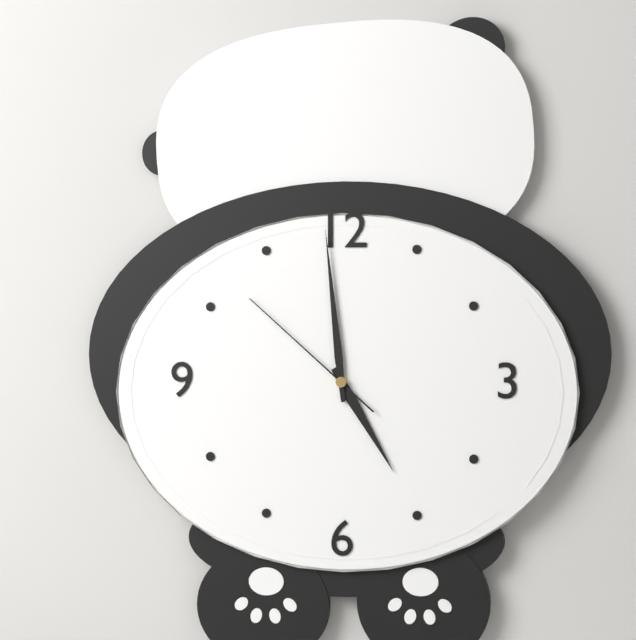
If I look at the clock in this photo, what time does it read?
4:59:52
